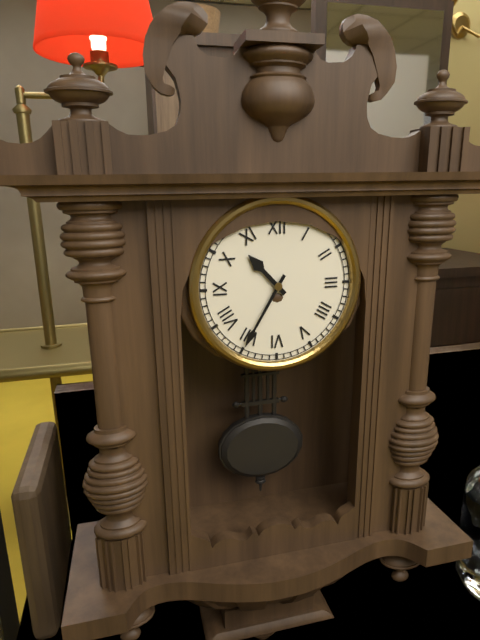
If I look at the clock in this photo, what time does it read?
10:35
